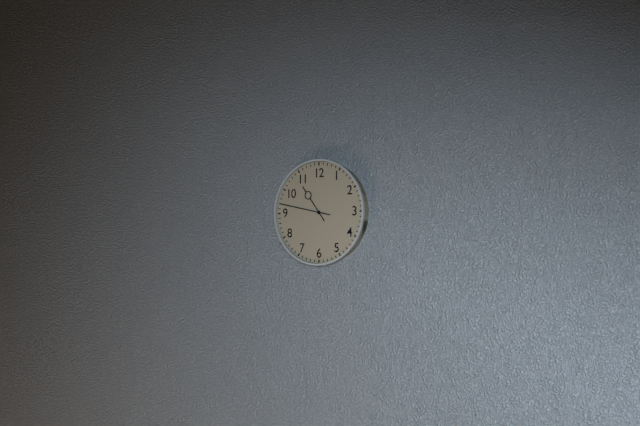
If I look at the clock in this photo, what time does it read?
10:47
